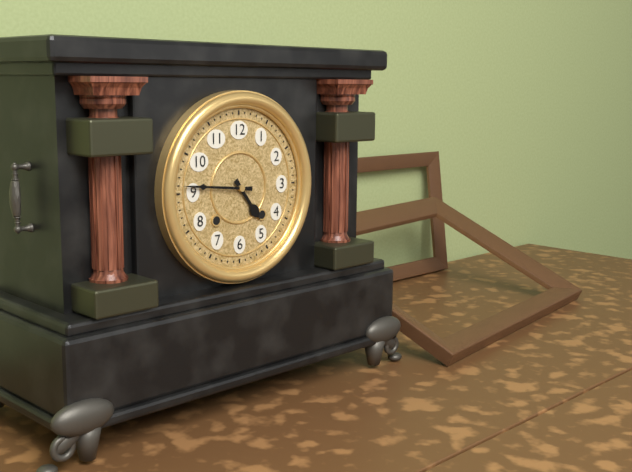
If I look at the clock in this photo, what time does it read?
4:46
